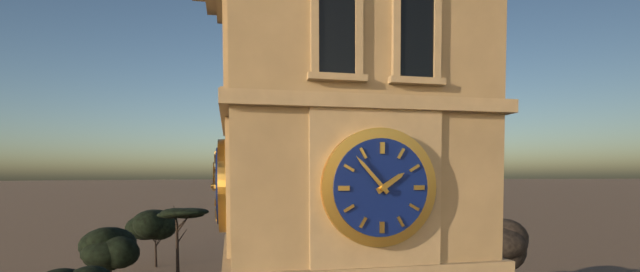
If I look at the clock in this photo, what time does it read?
1:53
